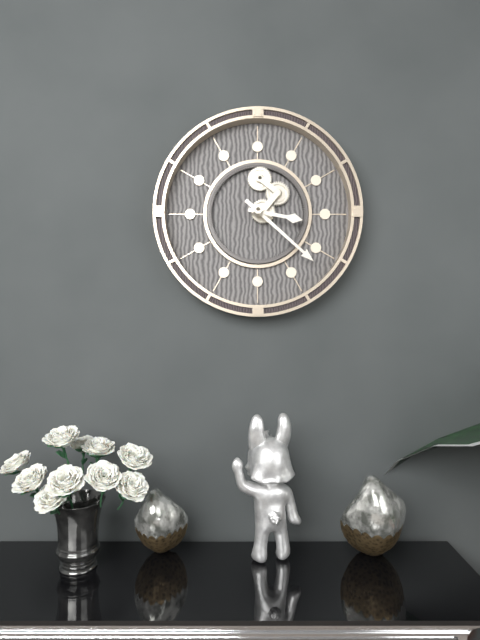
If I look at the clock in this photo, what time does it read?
3:22
